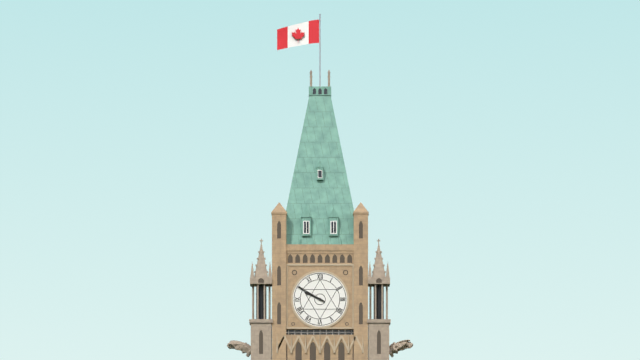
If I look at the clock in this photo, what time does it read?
9:50
